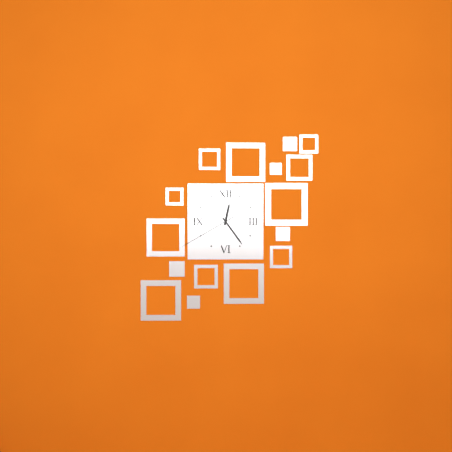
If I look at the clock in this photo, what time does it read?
12:24:40
